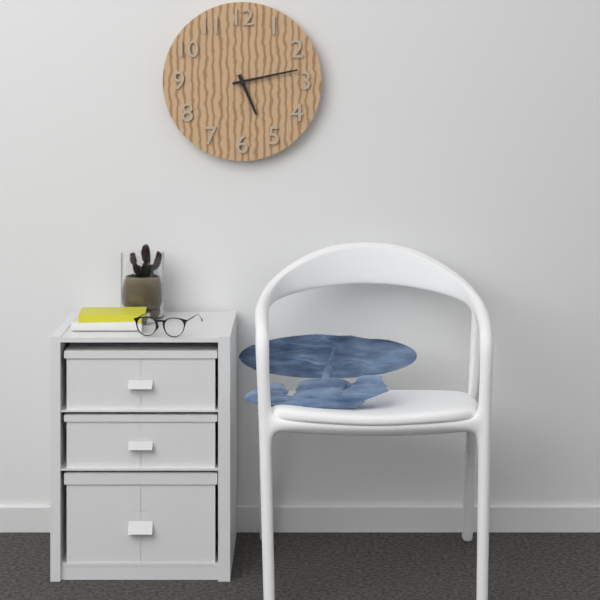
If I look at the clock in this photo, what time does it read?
5:13
